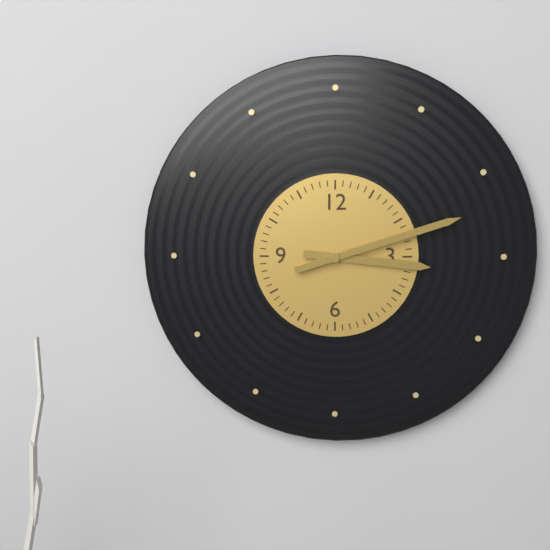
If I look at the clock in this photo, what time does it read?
3:12
